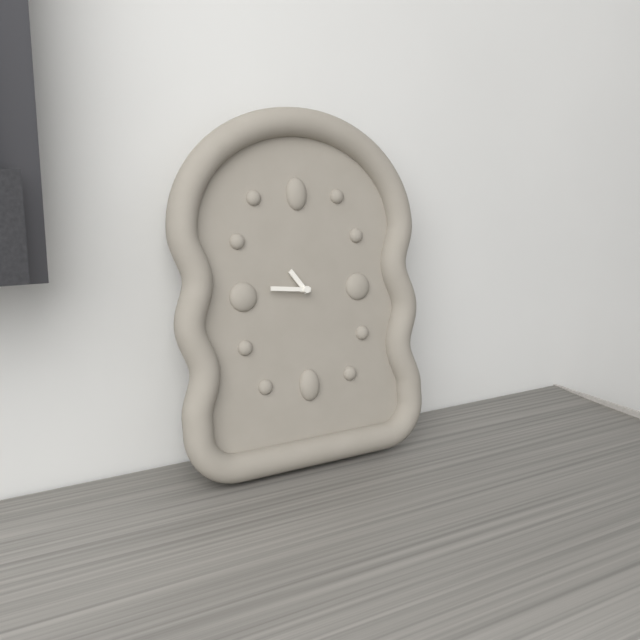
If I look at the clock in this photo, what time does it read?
10:46
